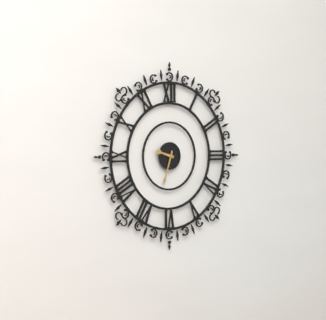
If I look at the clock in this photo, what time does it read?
9:33
